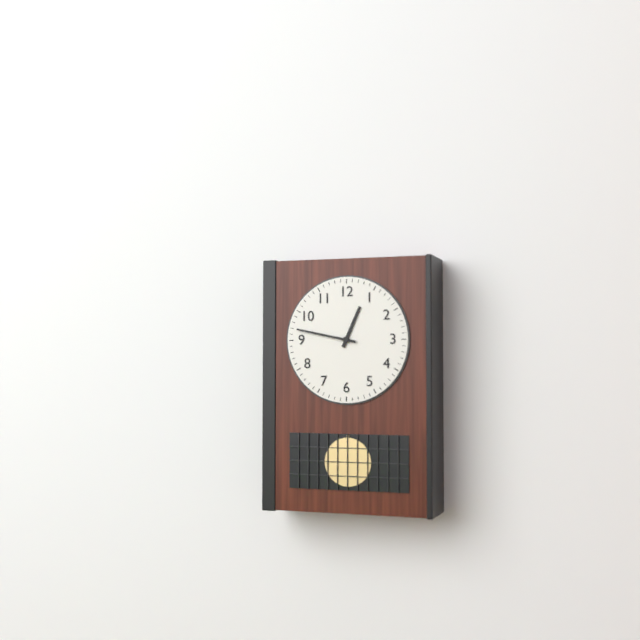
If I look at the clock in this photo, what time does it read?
12:47
